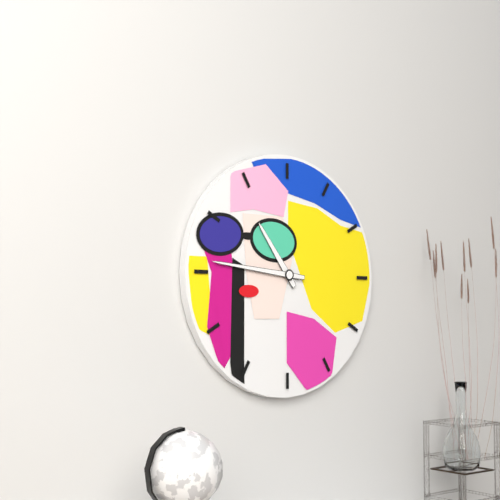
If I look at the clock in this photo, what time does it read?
10:46
